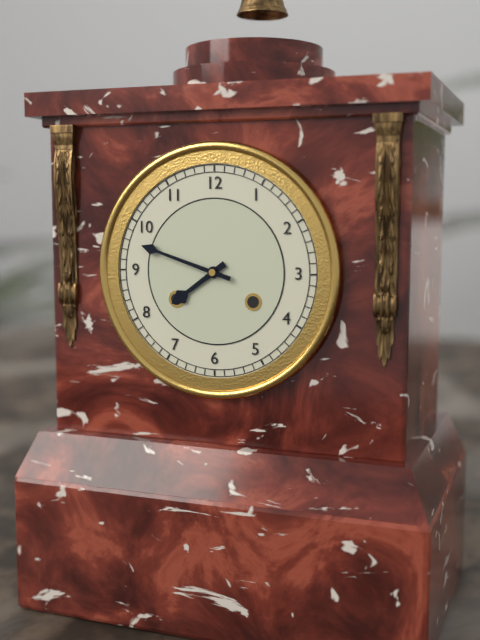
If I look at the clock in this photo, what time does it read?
7:48
